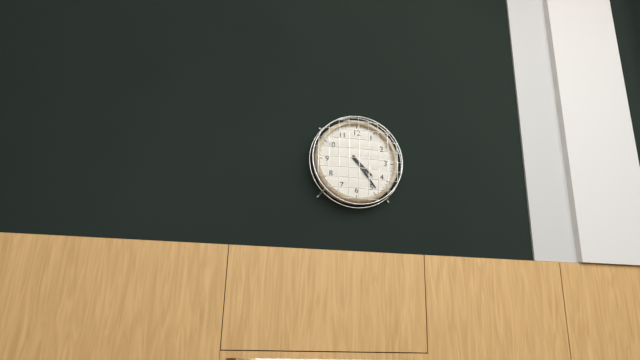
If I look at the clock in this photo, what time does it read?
4:24
